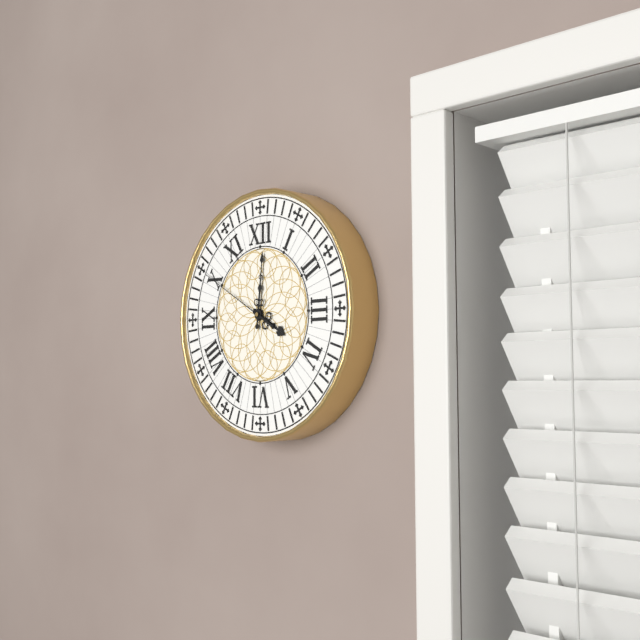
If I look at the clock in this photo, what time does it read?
4:01:50
